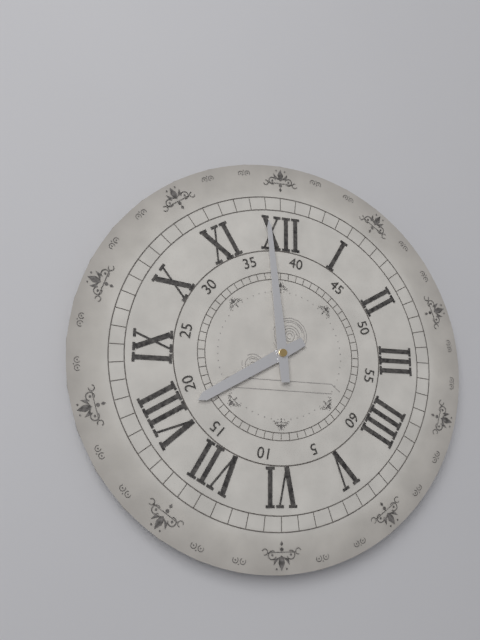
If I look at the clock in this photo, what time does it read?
7:59
